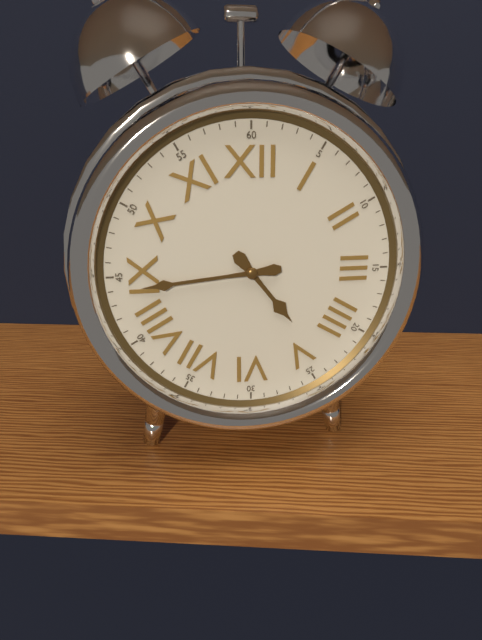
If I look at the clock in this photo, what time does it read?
4:44
